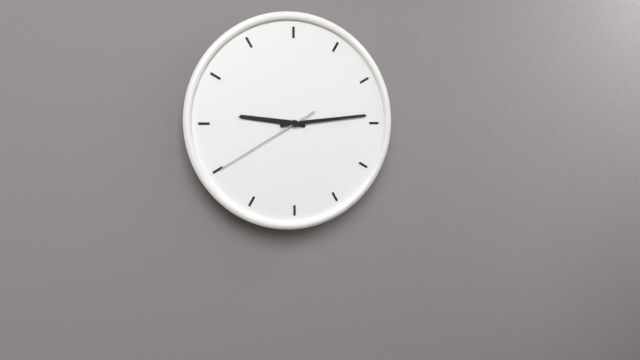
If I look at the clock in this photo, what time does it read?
9:14:40
